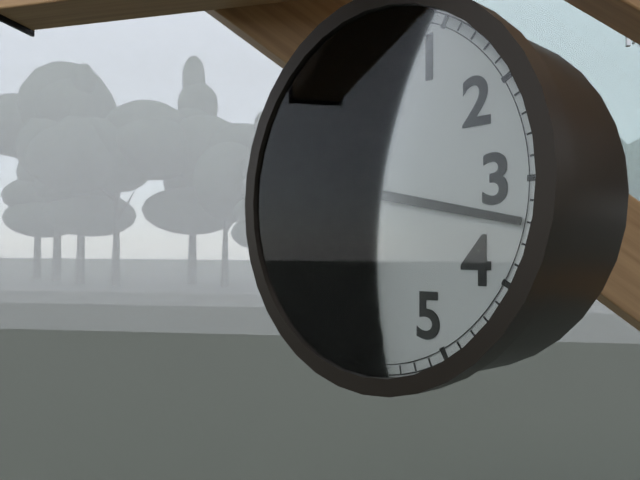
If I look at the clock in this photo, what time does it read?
6:17
